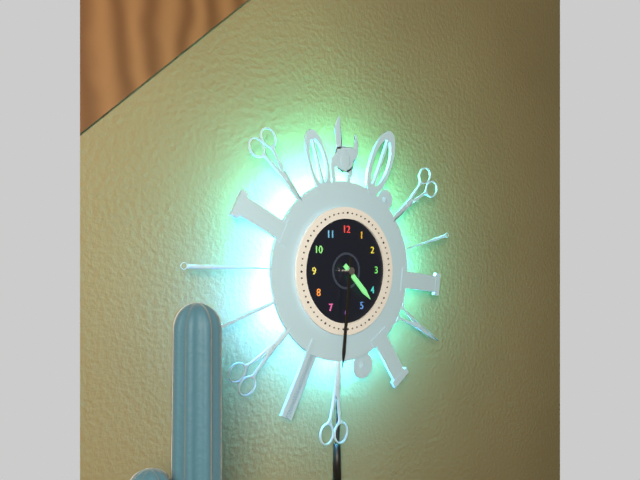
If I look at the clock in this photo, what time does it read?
4:31
